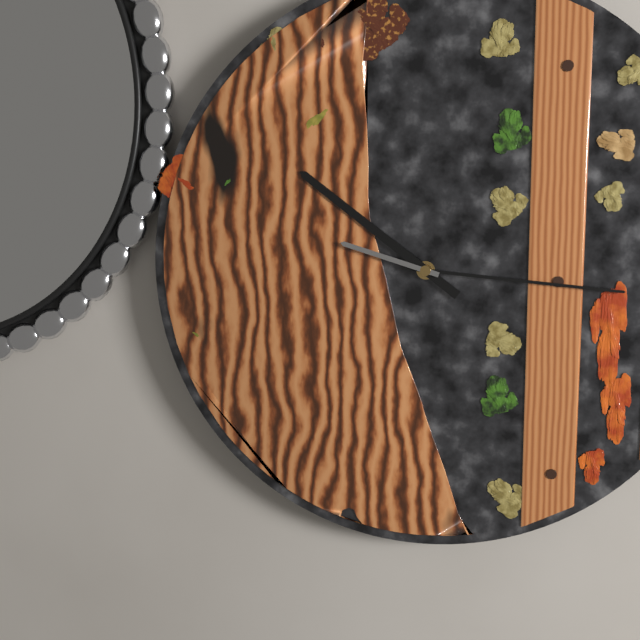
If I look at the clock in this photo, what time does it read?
10:16:48
